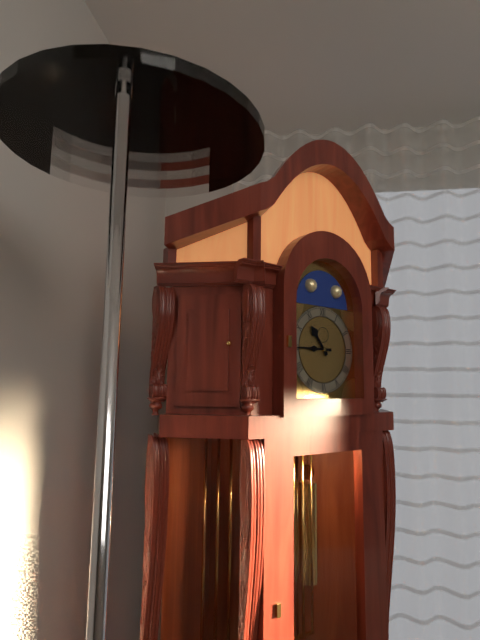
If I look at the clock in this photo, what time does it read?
10:45
